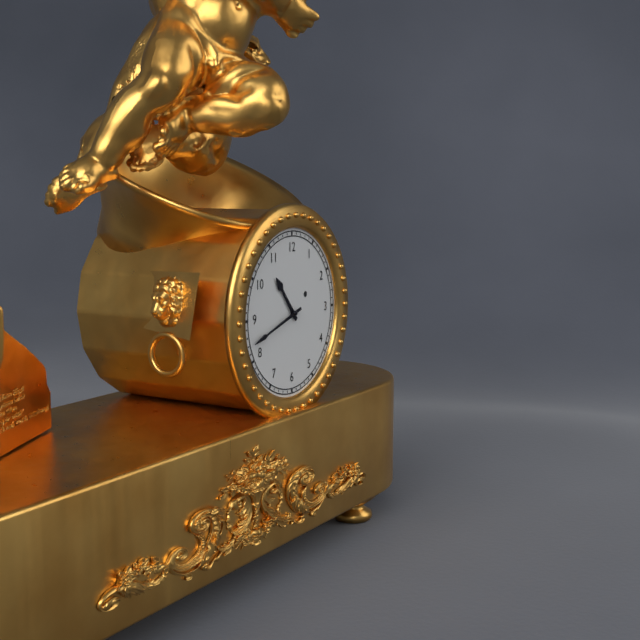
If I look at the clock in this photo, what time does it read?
10:42
